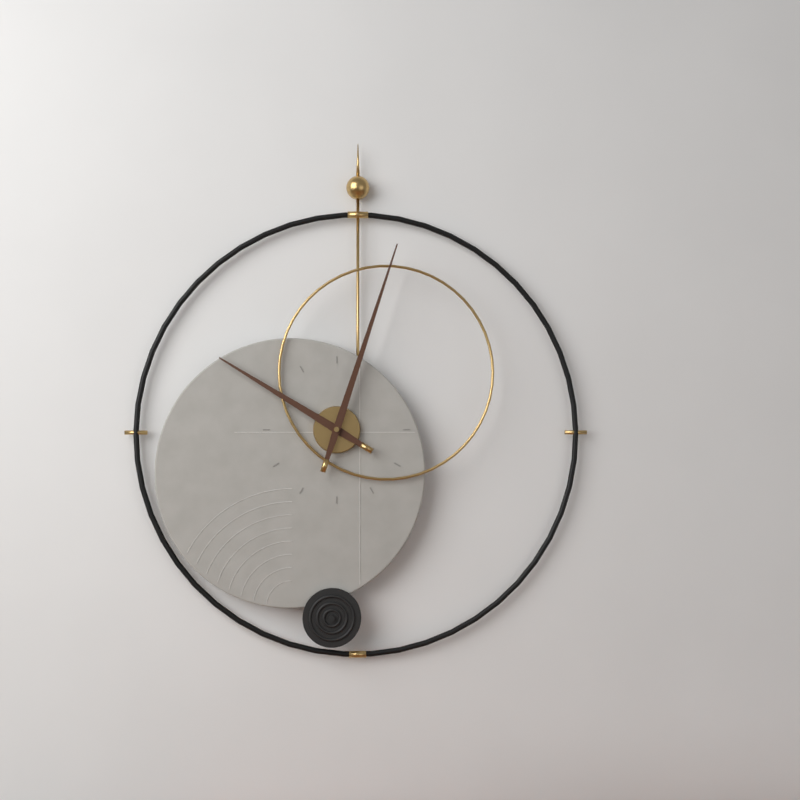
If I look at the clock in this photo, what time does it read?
10:03
